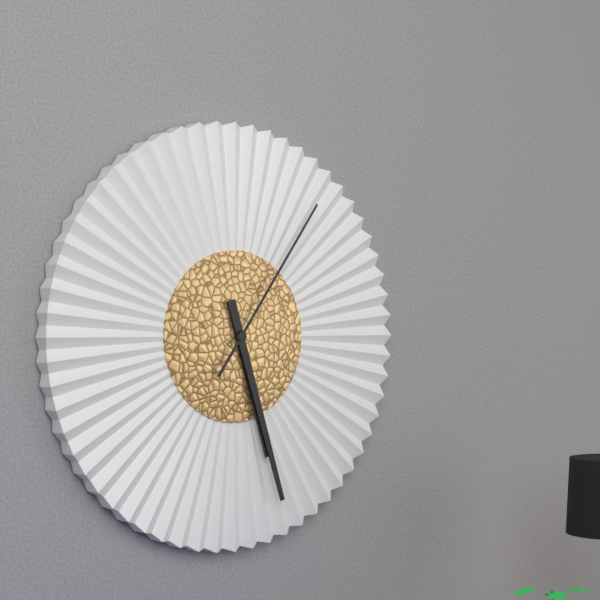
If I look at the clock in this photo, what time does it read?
5:27:06
